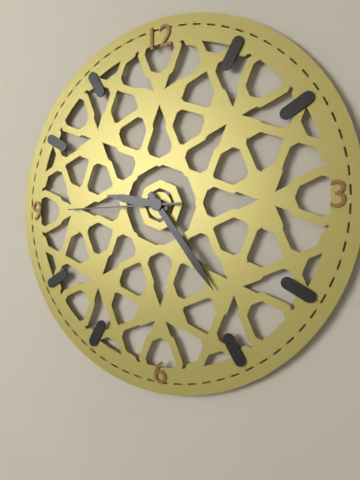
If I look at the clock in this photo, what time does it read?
9:24:45
